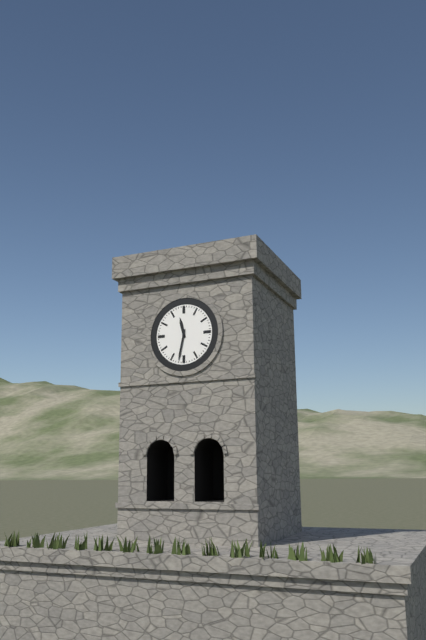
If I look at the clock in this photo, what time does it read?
11:32
